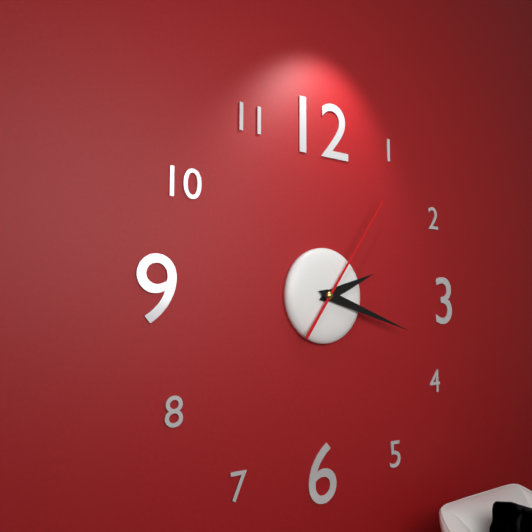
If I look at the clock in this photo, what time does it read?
2:18:06
